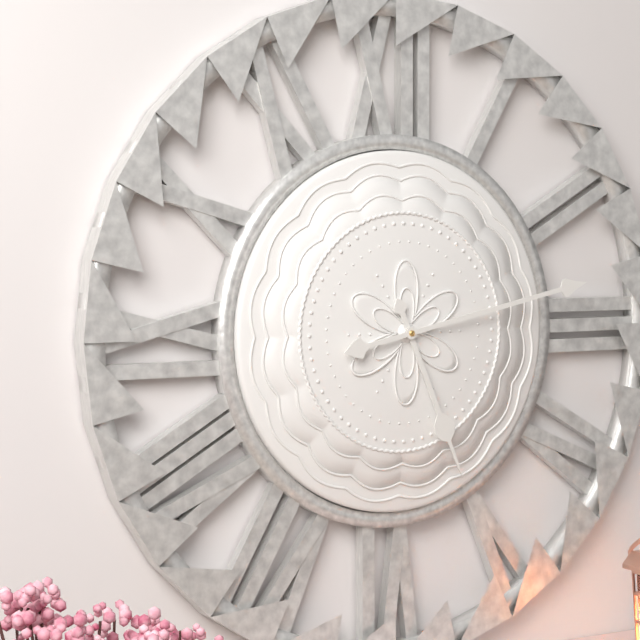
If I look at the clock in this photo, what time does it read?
5:13
